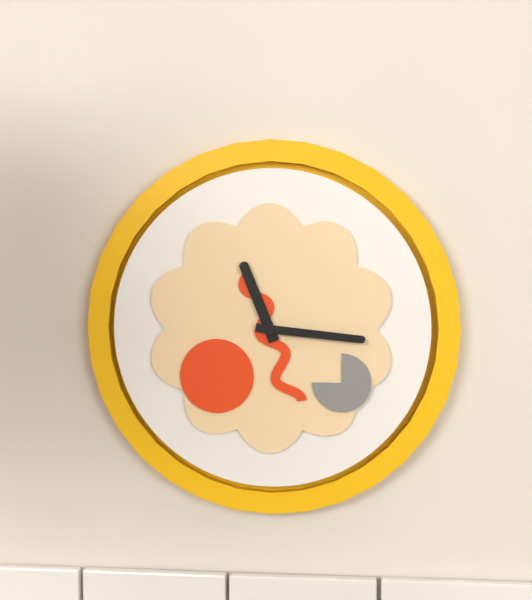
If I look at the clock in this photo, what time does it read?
11:16
